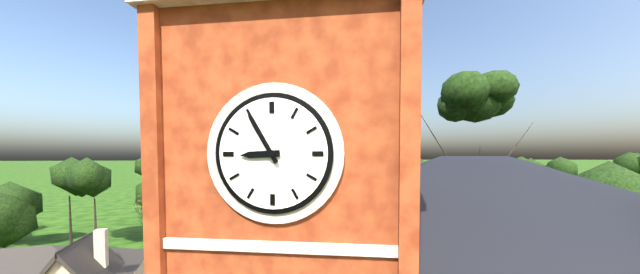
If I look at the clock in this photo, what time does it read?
8:55
